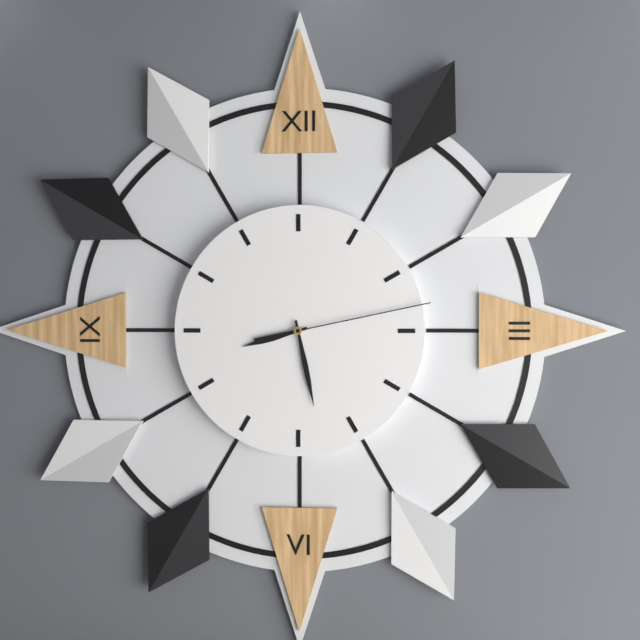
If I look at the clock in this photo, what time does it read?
8:28:13
